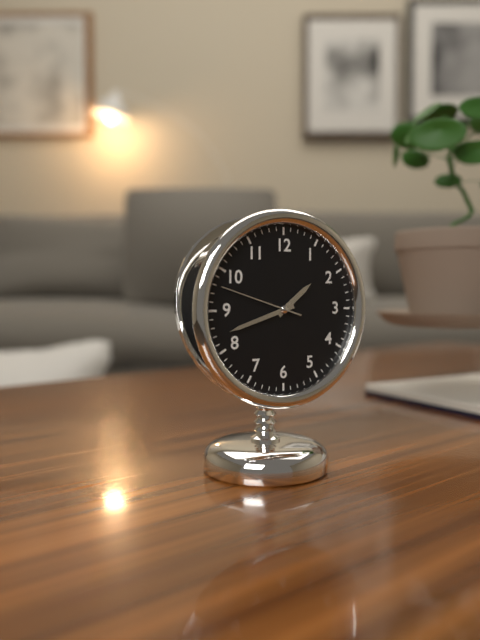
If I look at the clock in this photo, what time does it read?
1:42:48
